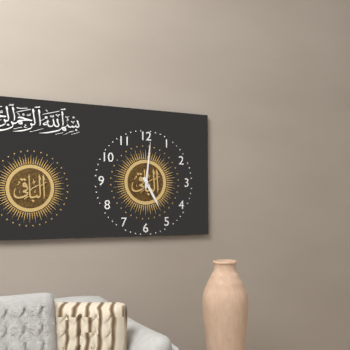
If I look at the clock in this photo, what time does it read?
5:01
